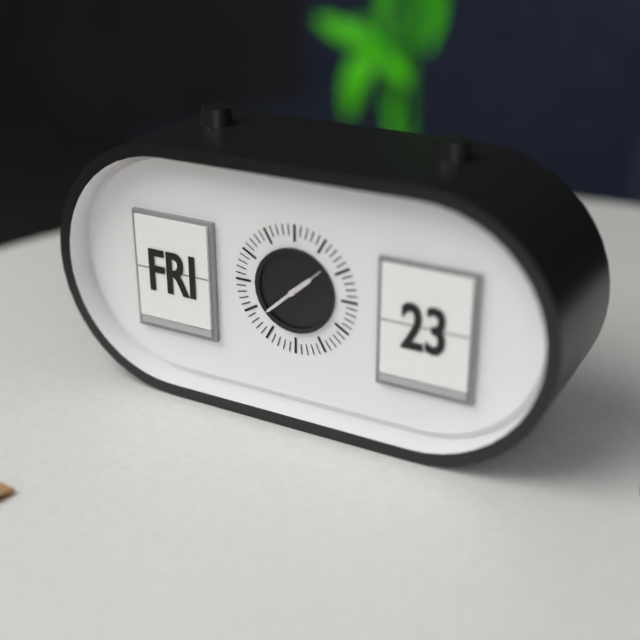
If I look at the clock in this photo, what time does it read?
1:38
